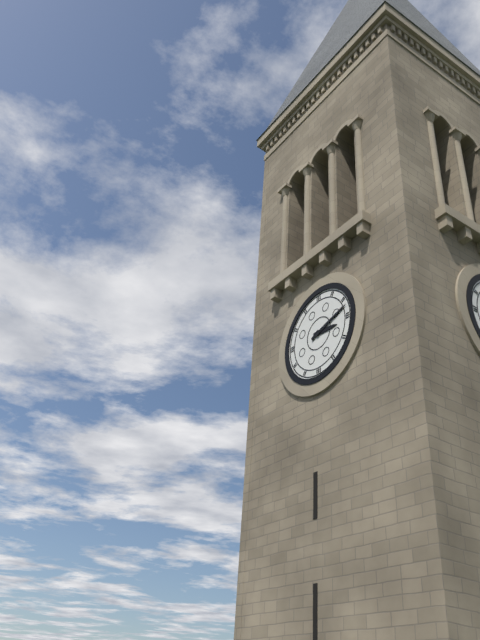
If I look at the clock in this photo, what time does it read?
3:12
